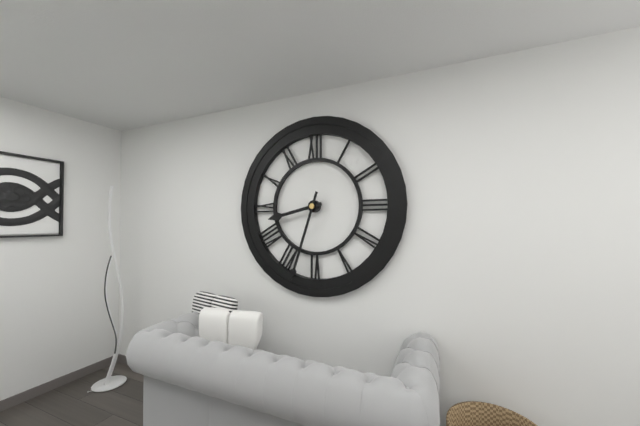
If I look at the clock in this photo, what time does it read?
8:33
